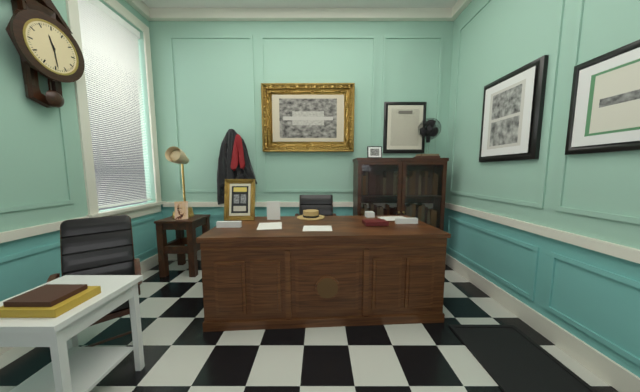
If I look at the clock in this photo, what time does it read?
11:29
